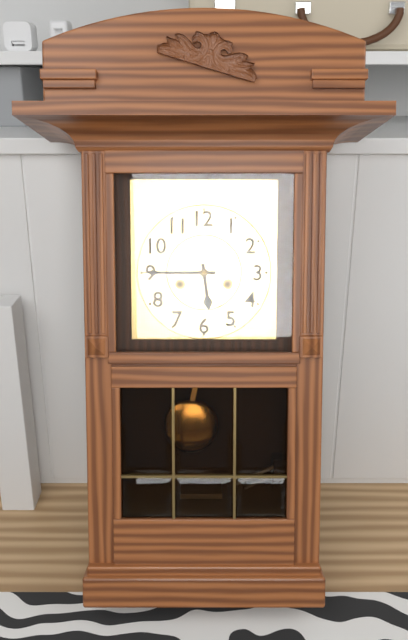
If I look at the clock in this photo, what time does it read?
5:45
